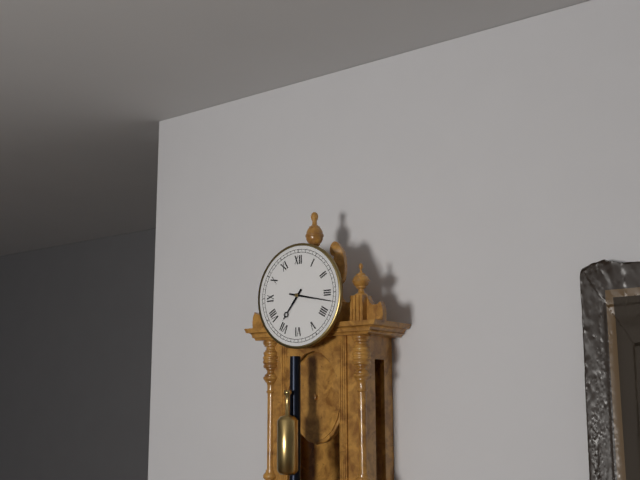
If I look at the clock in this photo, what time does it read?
7:17
